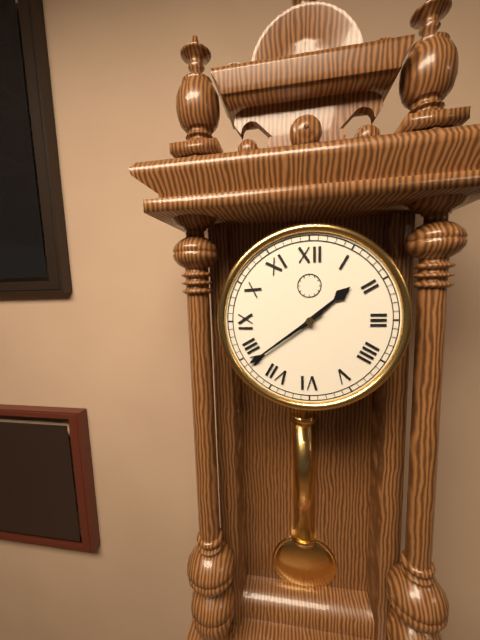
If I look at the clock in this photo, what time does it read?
1:39
